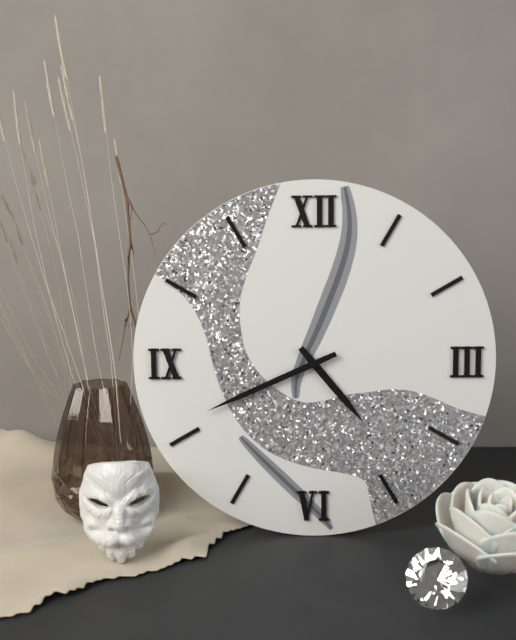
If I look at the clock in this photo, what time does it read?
4:41
